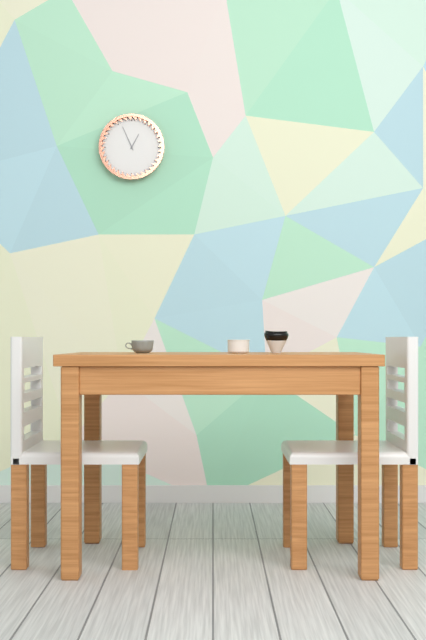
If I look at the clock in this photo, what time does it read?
12:56
